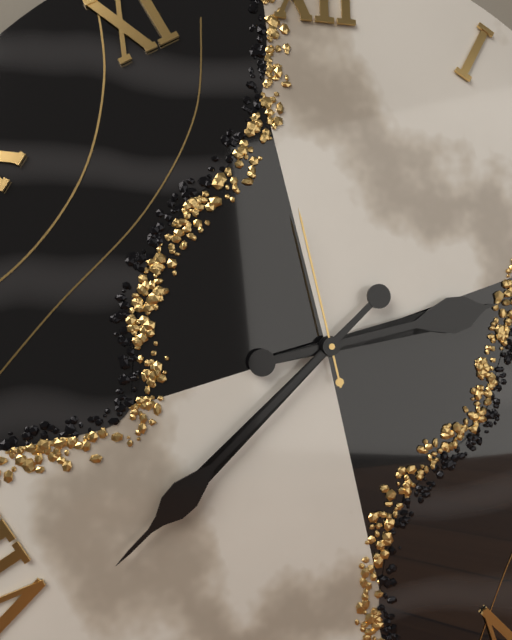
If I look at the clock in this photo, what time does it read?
2:38:58
